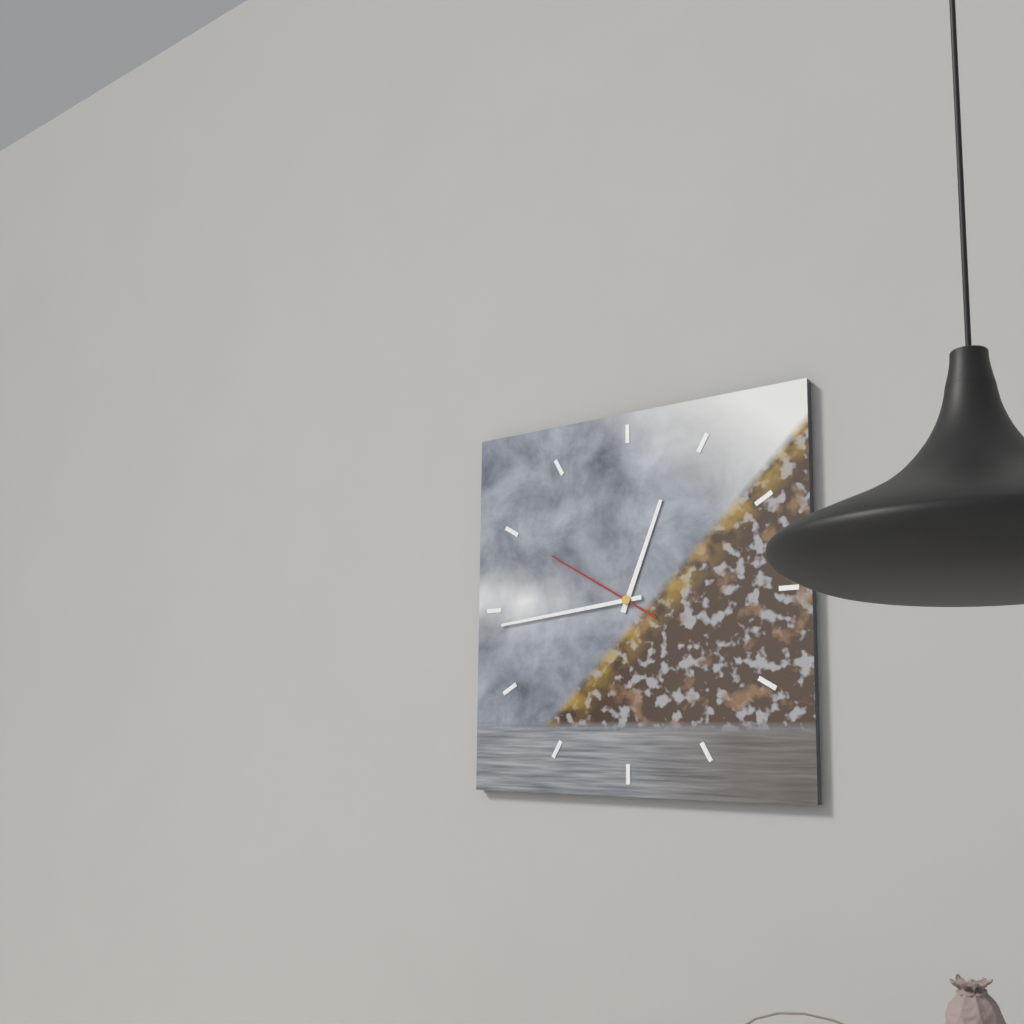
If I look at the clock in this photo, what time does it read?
12:44:50
